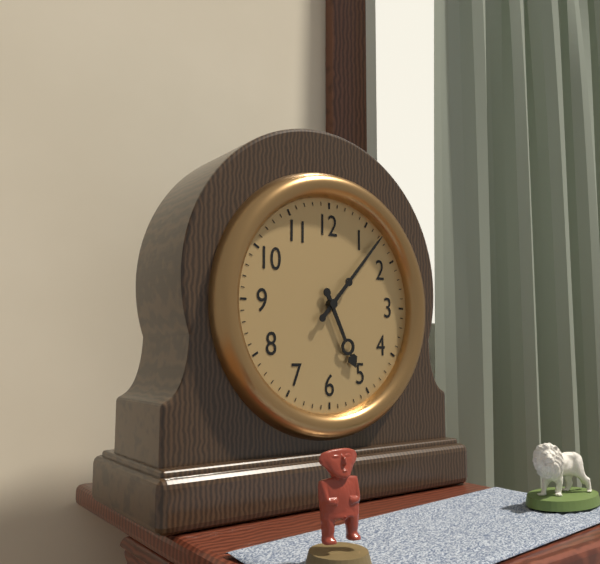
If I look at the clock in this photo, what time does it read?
5:07
